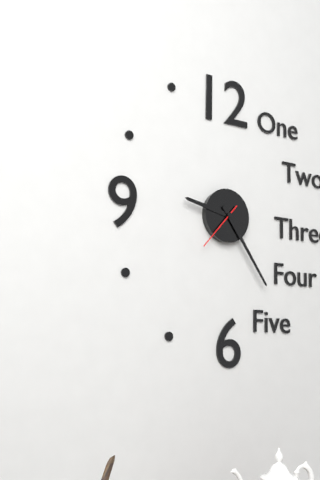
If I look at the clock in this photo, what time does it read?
9:24:37
